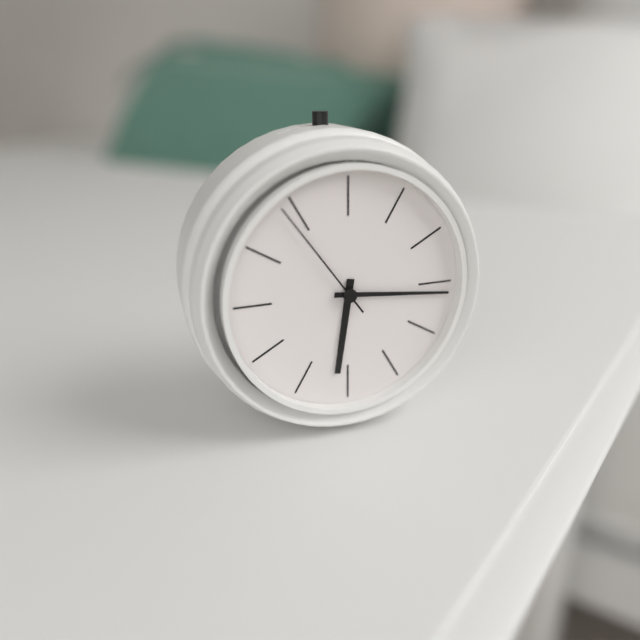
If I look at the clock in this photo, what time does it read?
6:16:54
